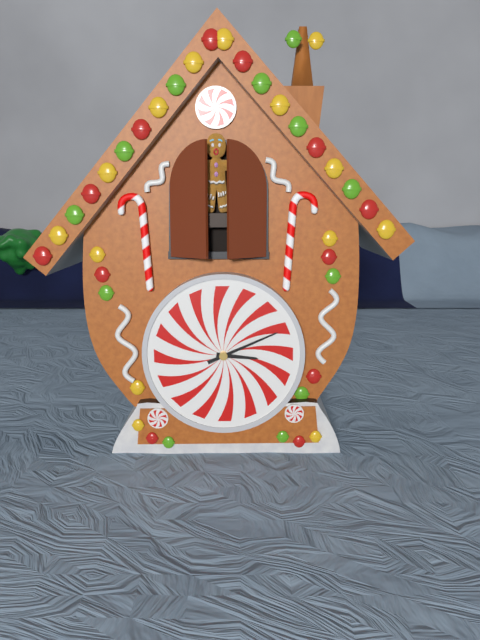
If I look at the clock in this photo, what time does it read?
3:11
